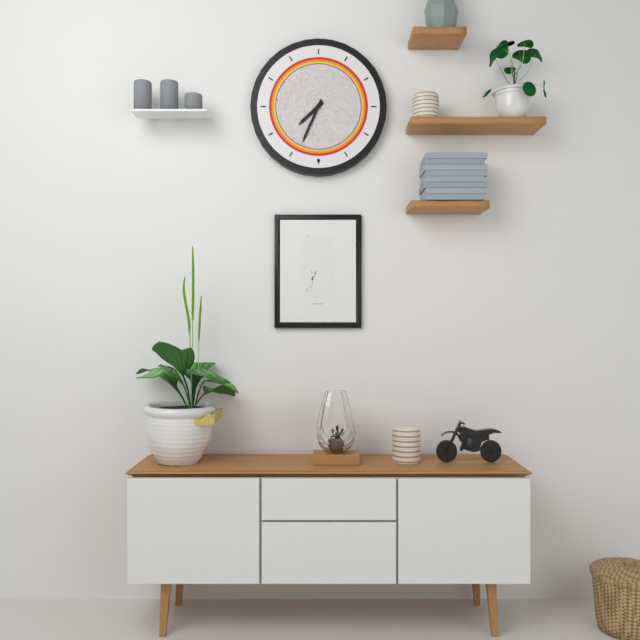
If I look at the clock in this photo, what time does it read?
7:34
